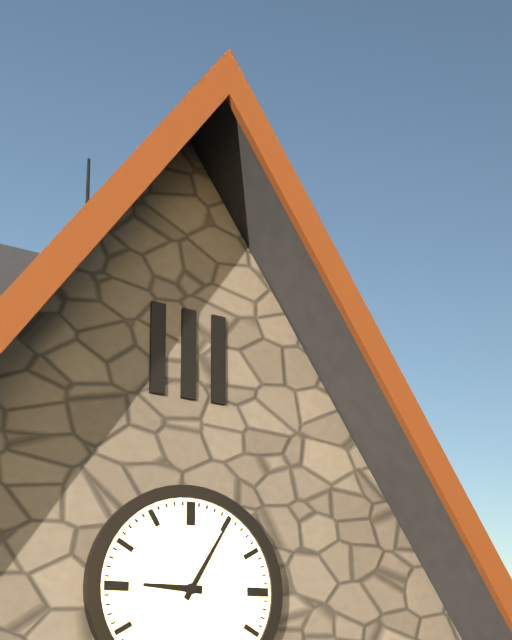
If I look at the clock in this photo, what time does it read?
9:05
